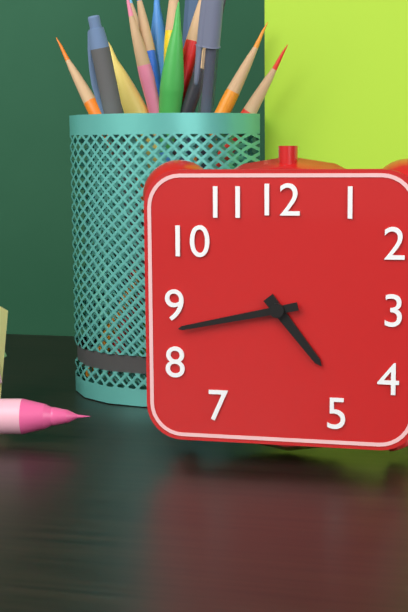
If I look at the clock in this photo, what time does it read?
4:43
